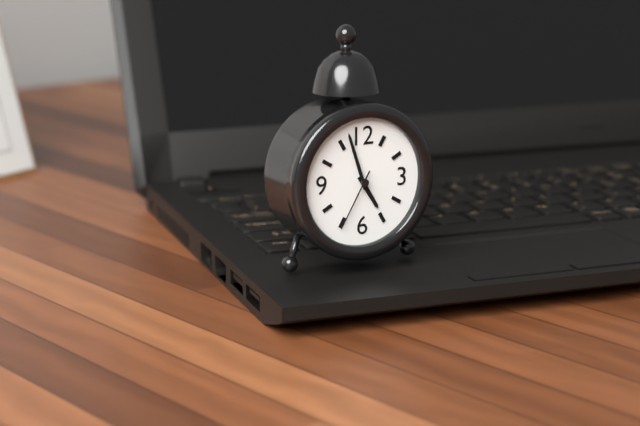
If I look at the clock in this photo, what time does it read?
4:57:35
